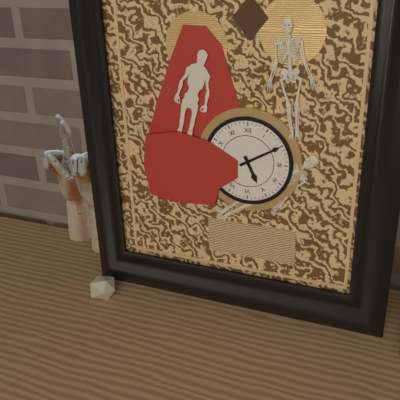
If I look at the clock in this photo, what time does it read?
5:10
